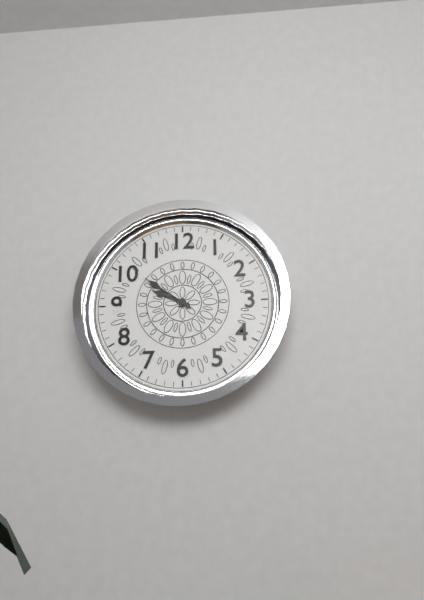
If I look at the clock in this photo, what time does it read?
9:51
